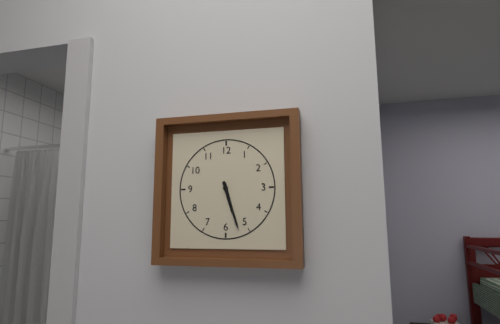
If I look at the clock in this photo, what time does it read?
5:27
